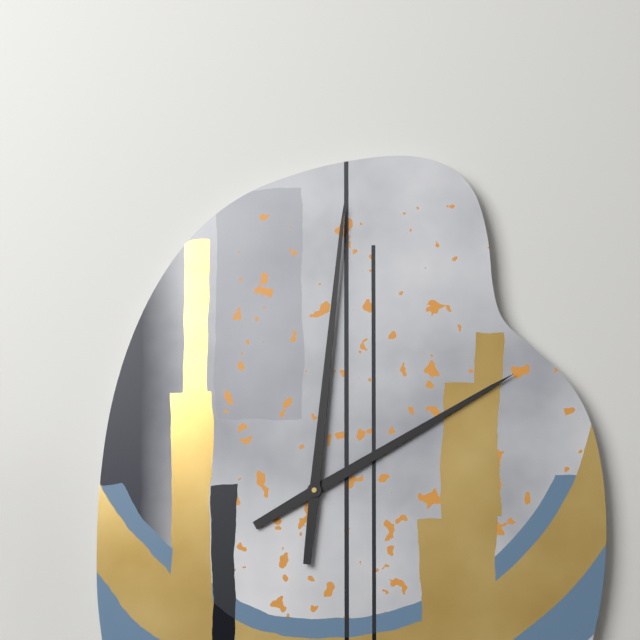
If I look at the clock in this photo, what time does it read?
2:01
